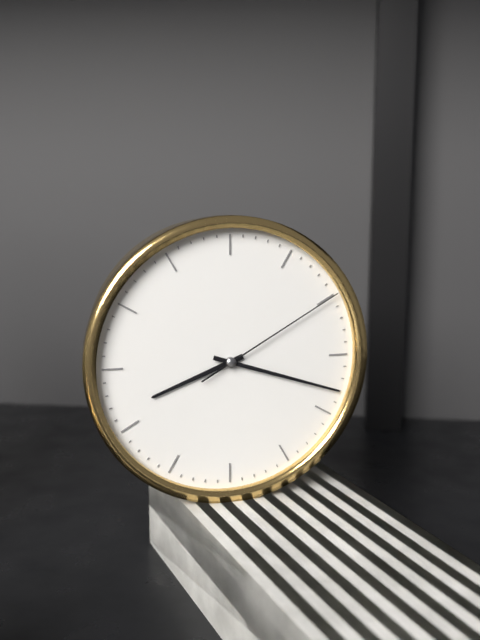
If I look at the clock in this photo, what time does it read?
8:18:10
